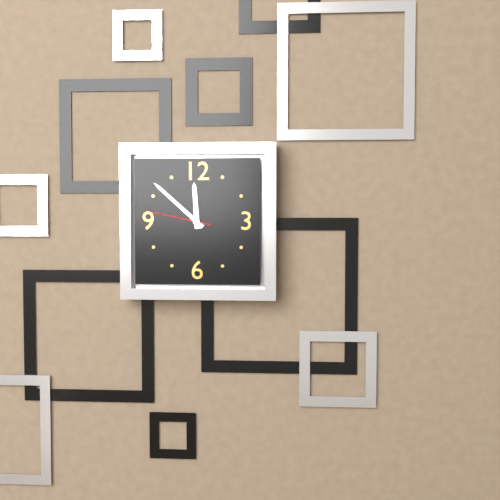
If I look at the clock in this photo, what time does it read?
11:52:47
